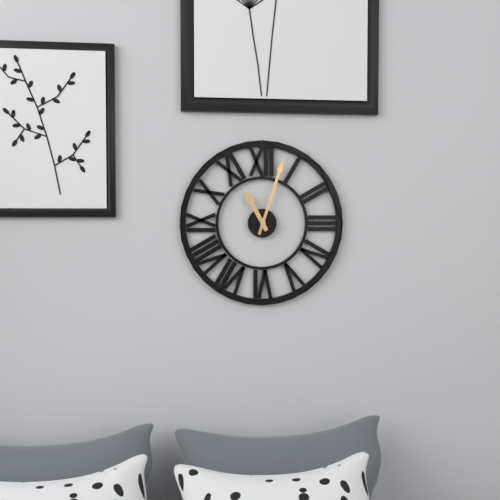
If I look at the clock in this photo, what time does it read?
11:03
